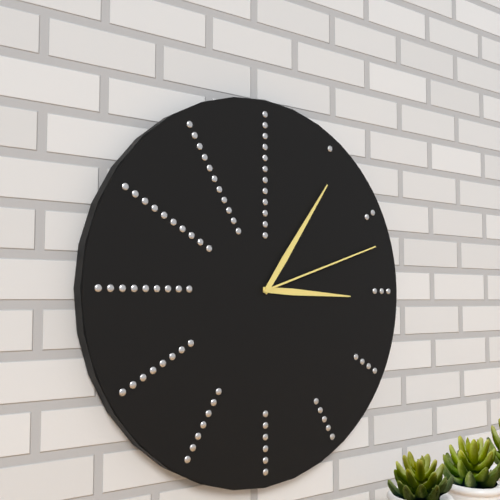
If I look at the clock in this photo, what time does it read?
3:06:12
